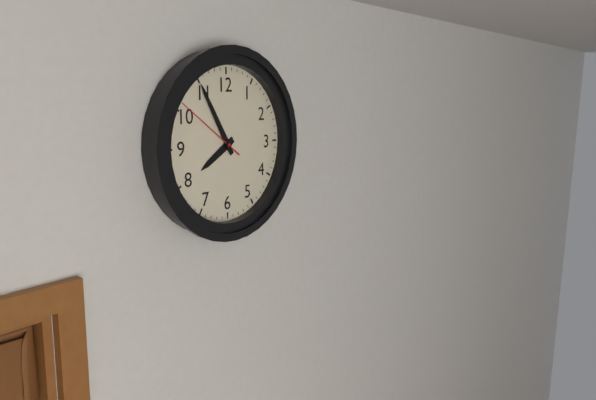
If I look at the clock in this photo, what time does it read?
7:55:51
